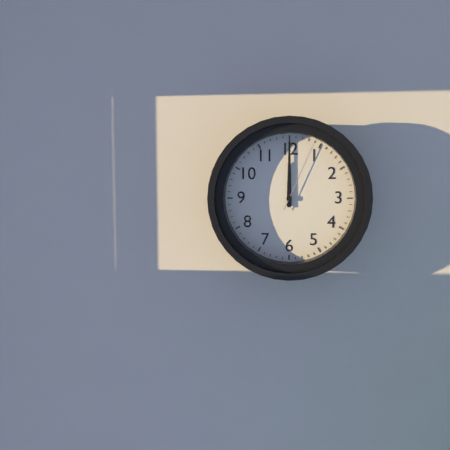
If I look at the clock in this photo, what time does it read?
12:00:04
